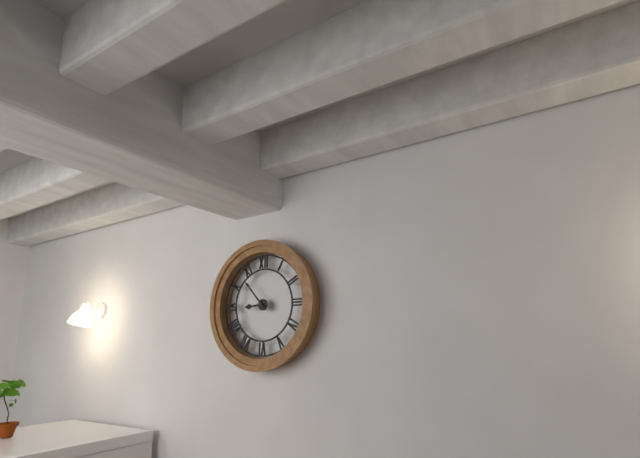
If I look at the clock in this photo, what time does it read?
8:53
